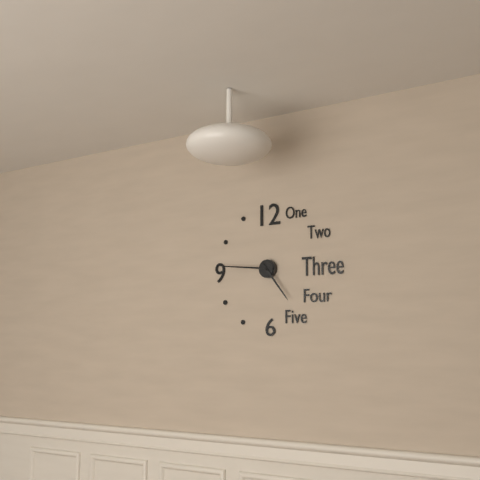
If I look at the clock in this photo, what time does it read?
4:46
